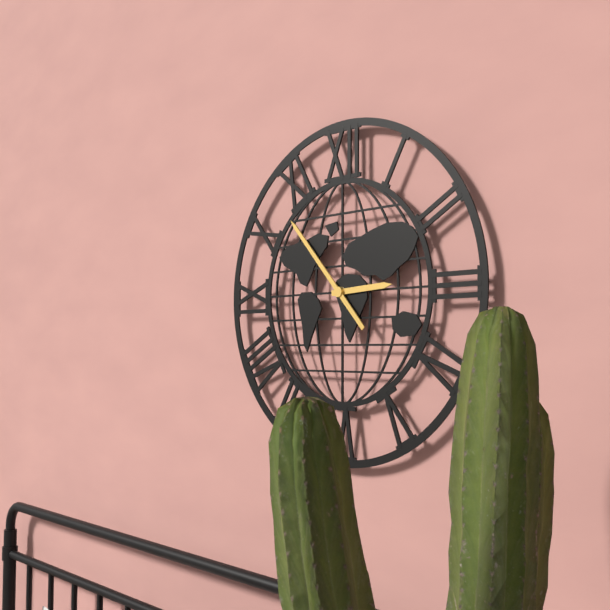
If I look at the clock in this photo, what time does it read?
2:53
